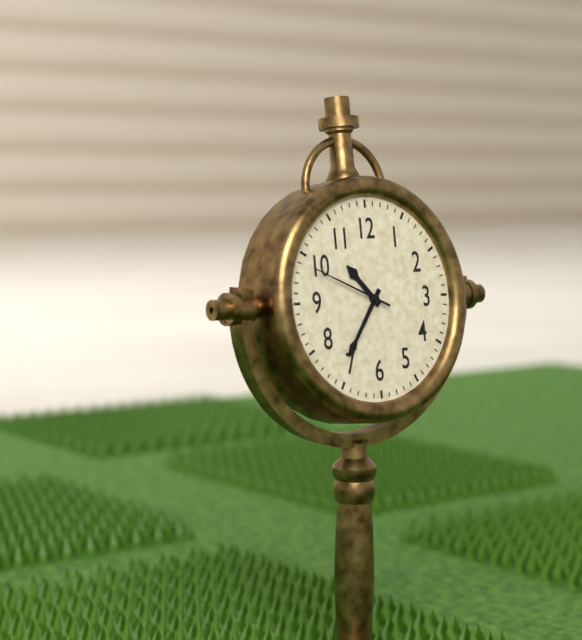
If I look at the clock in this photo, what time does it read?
10:36:49
